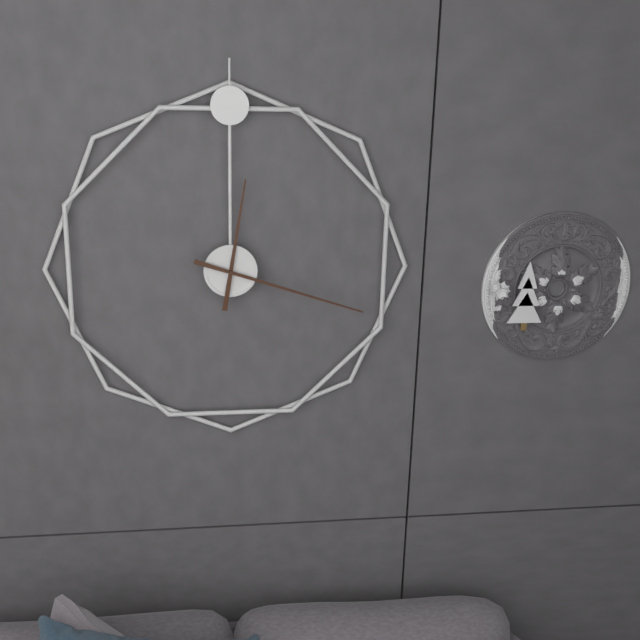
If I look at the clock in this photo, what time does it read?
12:18
